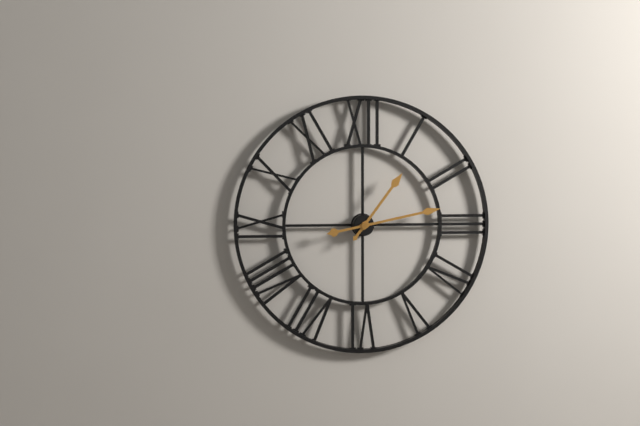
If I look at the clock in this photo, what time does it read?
1:13
